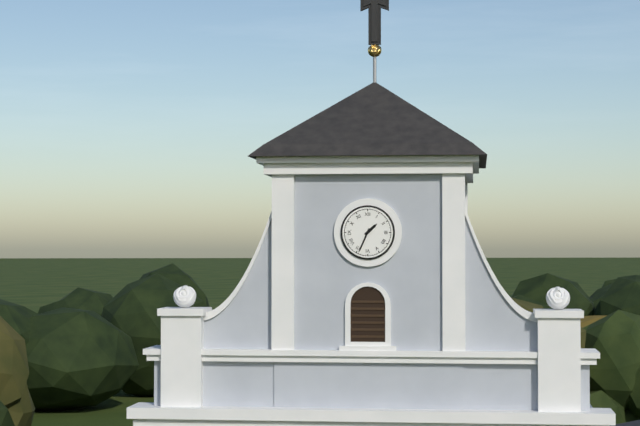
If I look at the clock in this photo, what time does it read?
1:34
